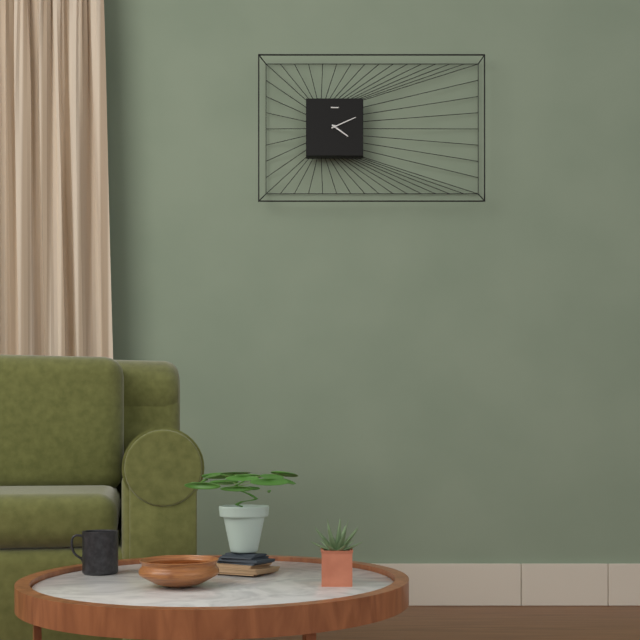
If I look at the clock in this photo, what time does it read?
4:11
